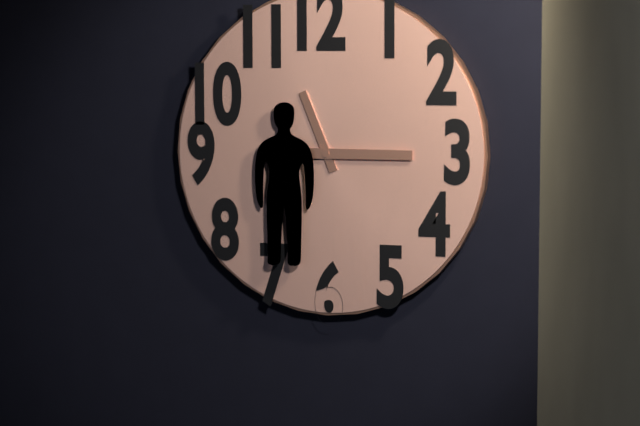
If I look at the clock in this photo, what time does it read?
11:15
